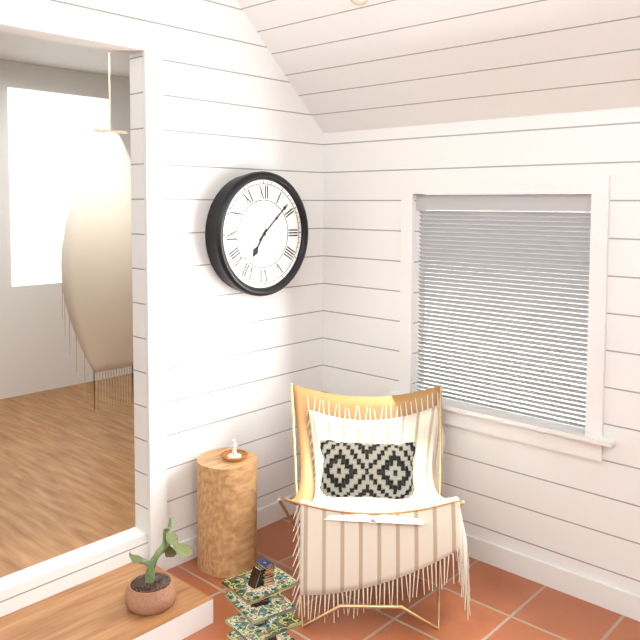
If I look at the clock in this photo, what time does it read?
7:08
